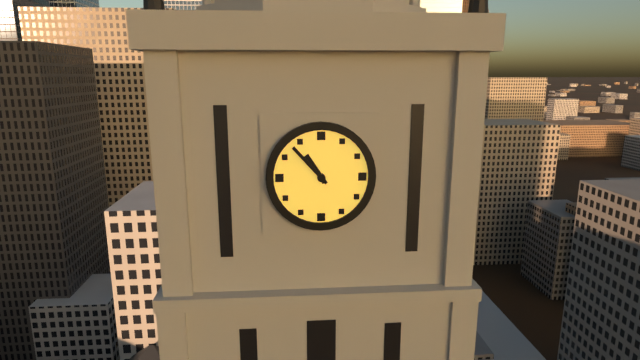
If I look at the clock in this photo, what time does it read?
10:53
